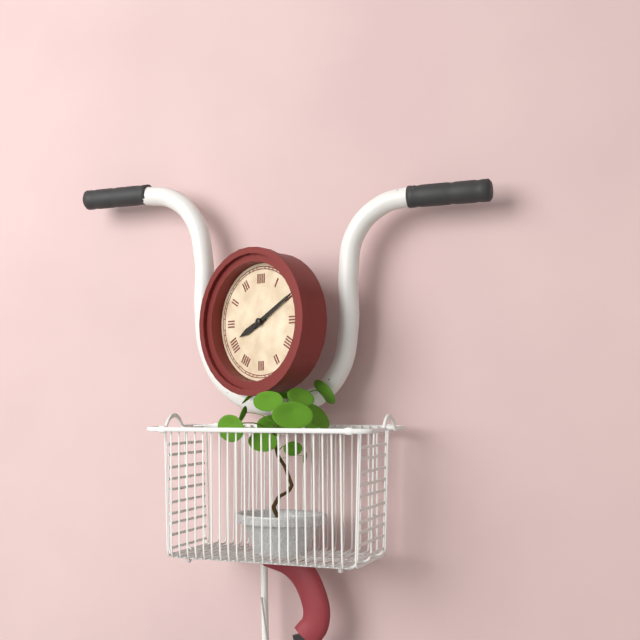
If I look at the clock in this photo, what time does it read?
8:10
